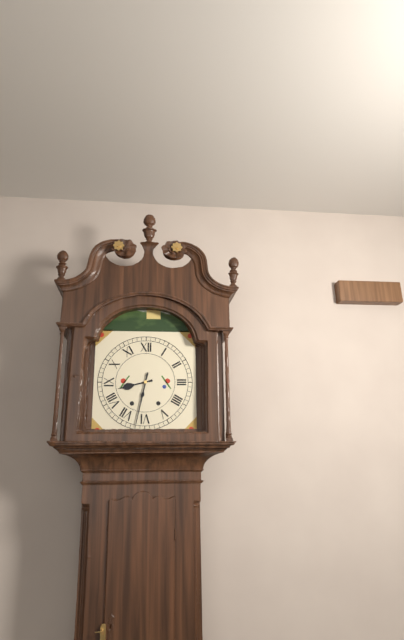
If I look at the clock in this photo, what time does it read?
8:32
